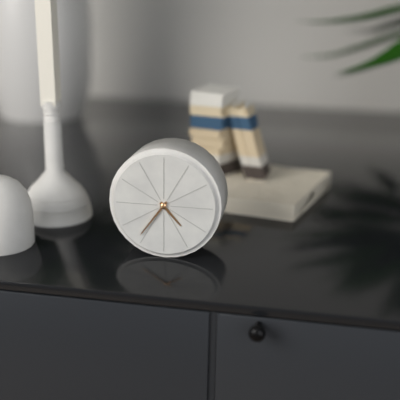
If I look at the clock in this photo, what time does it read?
4:36
